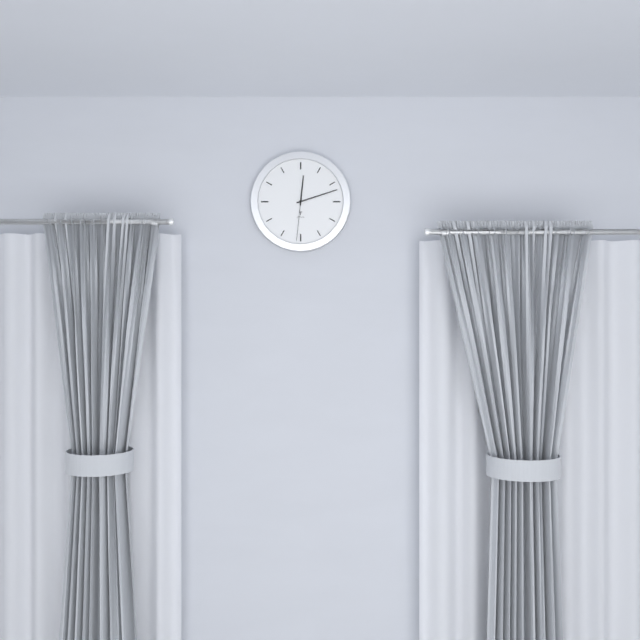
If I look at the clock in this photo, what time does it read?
12:12
